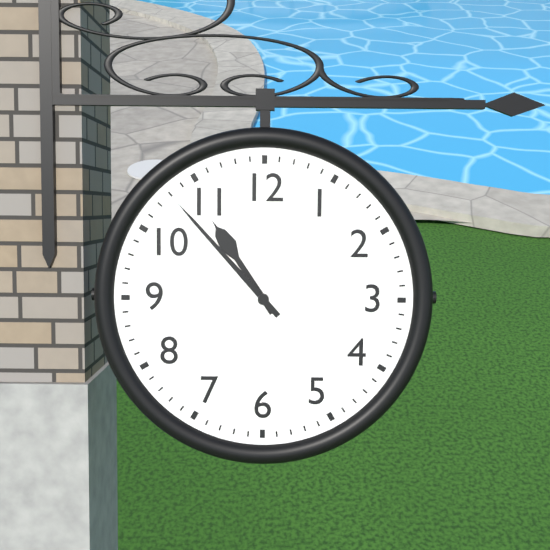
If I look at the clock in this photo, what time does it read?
10:53
